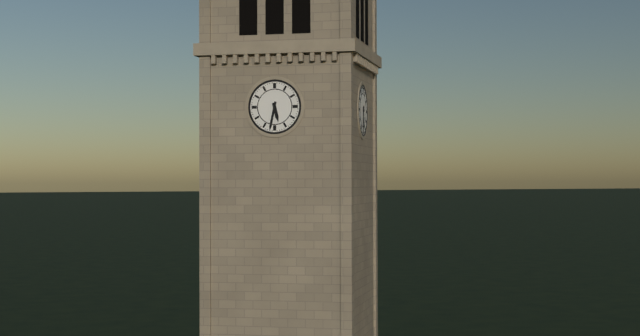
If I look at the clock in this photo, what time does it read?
5:32
